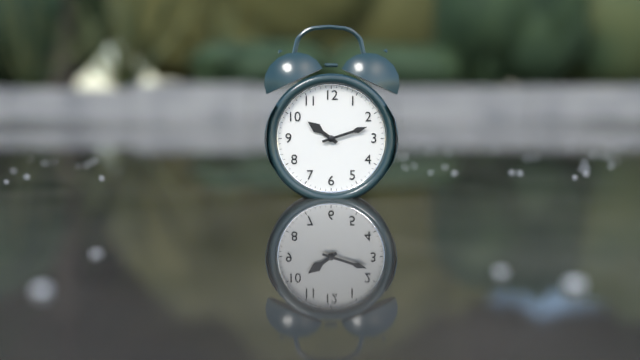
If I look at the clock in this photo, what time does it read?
10:12
